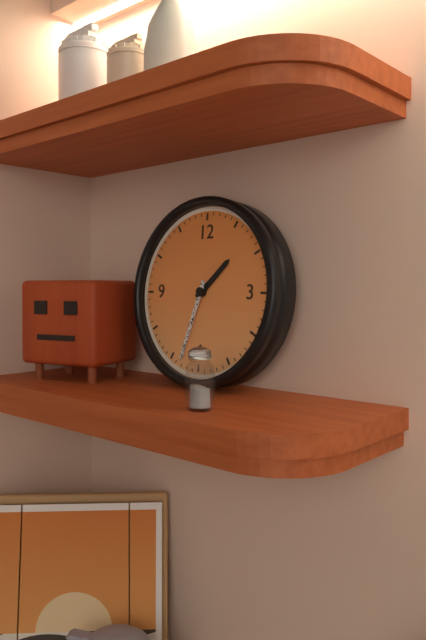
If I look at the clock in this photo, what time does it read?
1:33
